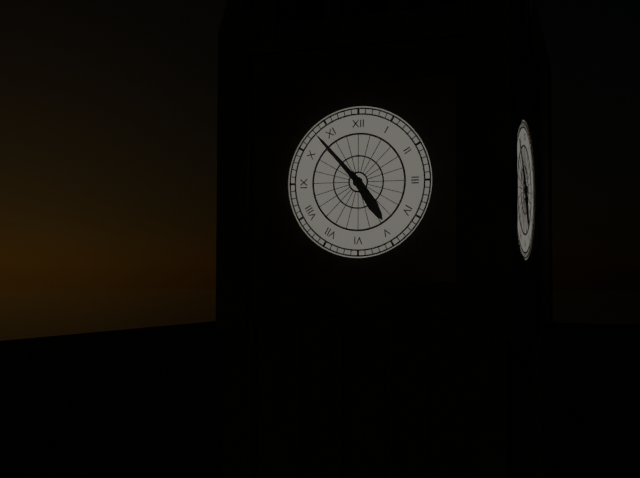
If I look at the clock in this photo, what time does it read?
4:53
